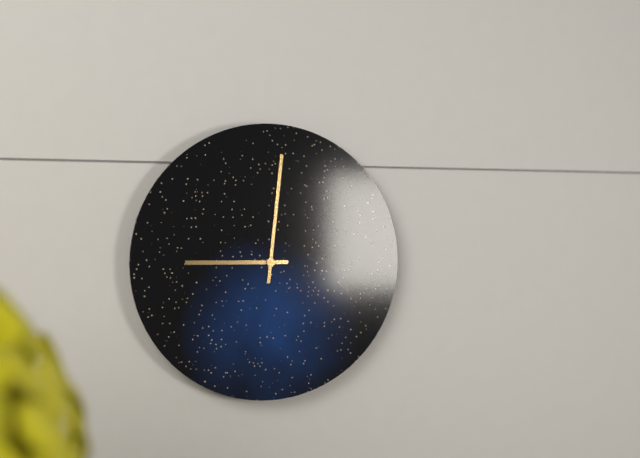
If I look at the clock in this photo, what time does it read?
9:01
